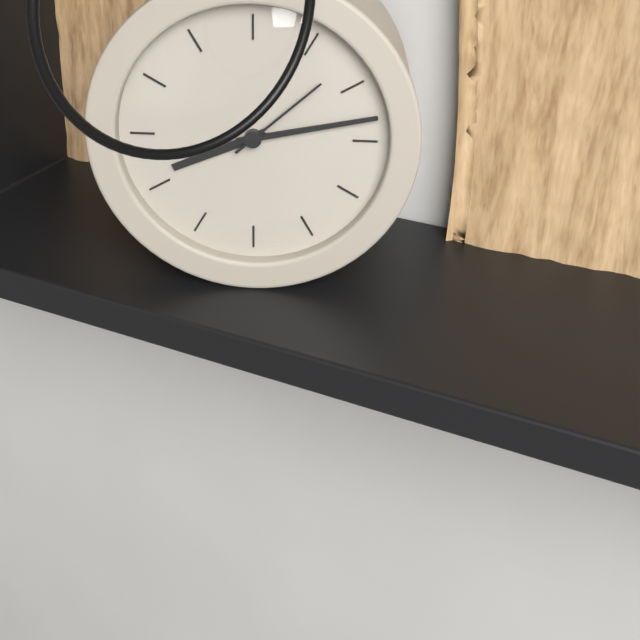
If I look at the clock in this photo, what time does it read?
8:13:08
